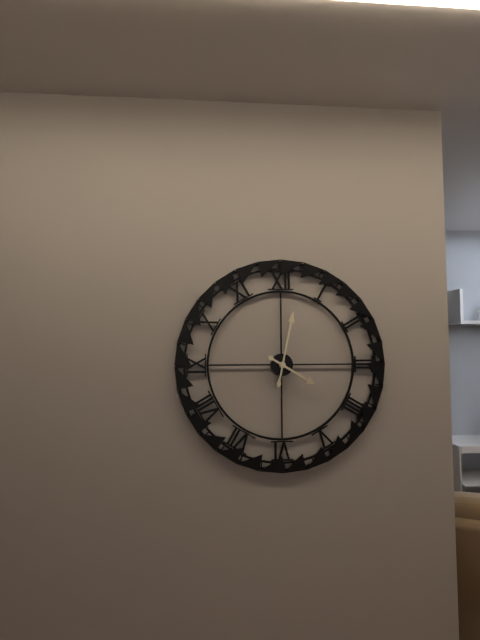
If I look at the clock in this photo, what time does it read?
4:02
